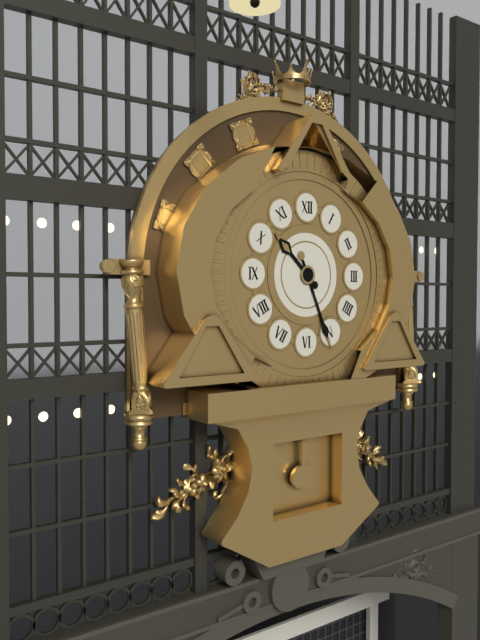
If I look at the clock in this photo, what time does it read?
10:26
